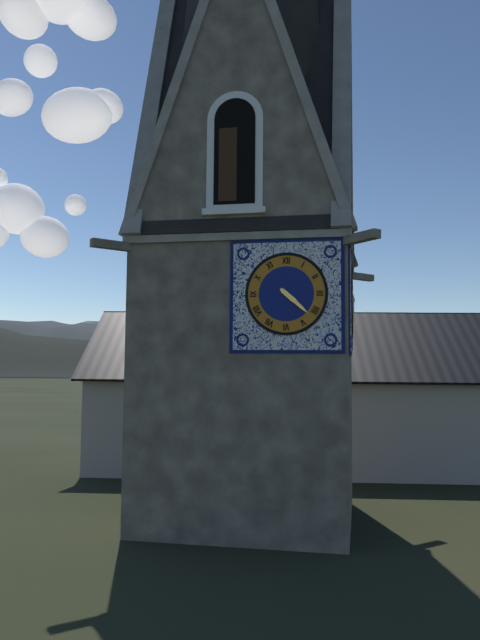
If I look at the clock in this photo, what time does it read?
4:22
